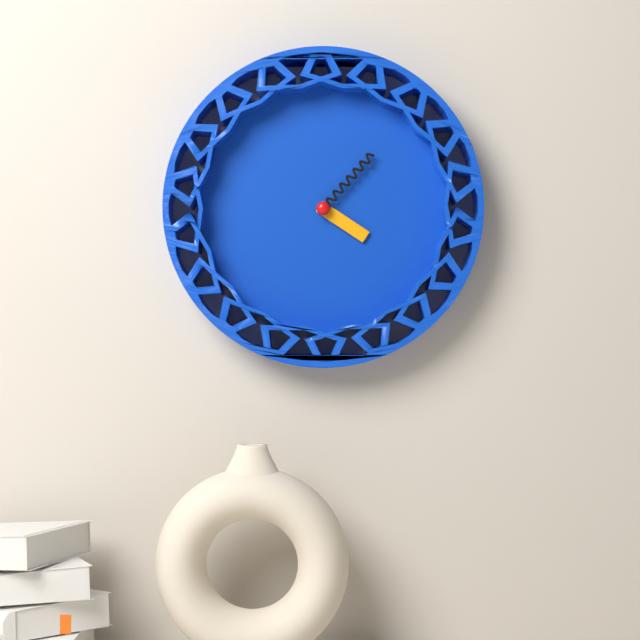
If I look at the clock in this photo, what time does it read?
4:07
